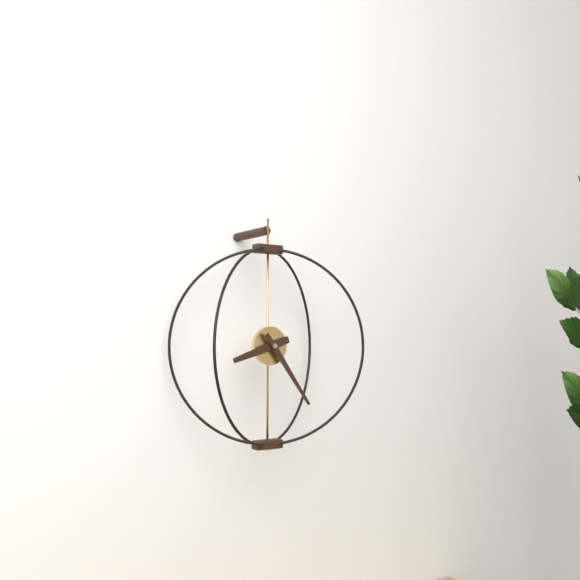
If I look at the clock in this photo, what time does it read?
8:24
